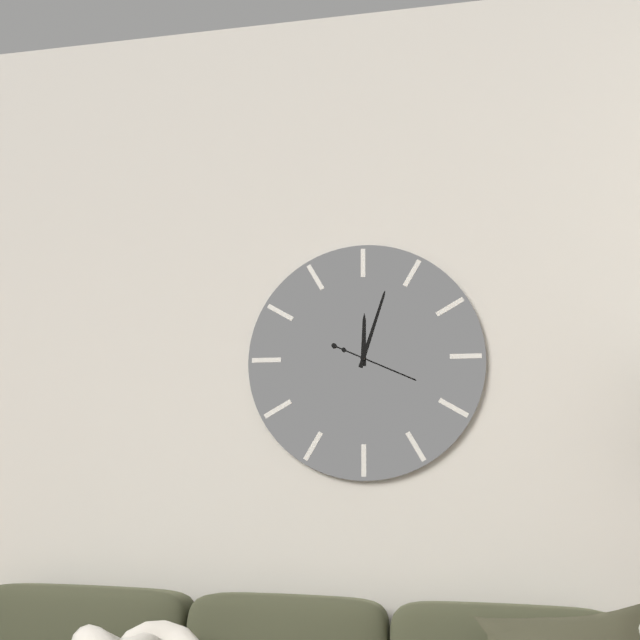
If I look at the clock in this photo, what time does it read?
12:03:19
